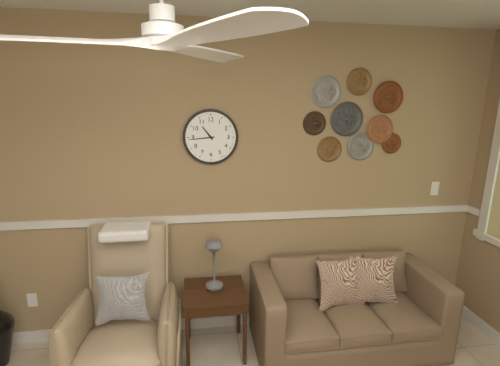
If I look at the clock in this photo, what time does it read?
10:44
